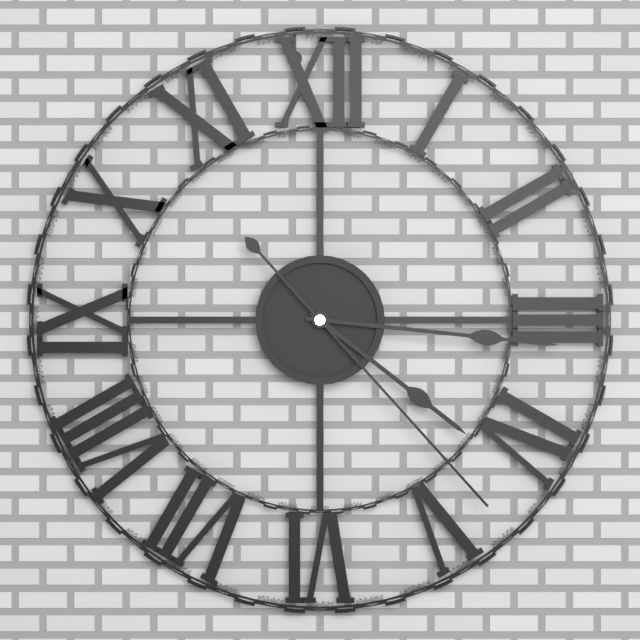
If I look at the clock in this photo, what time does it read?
4:16:23
